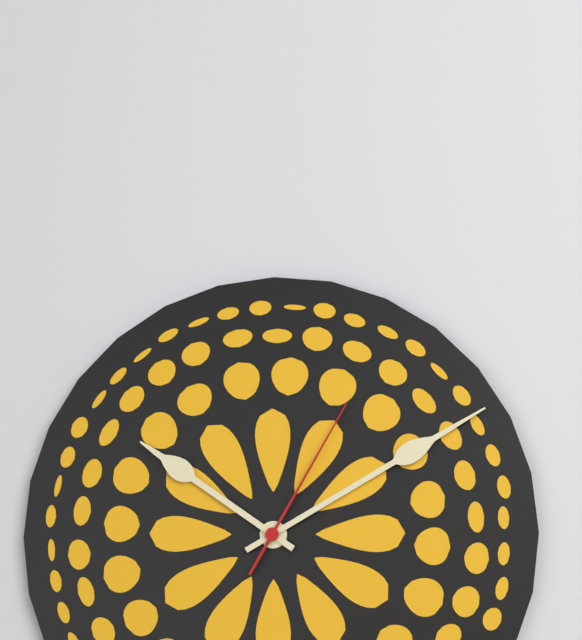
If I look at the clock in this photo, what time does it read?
10:10:05
